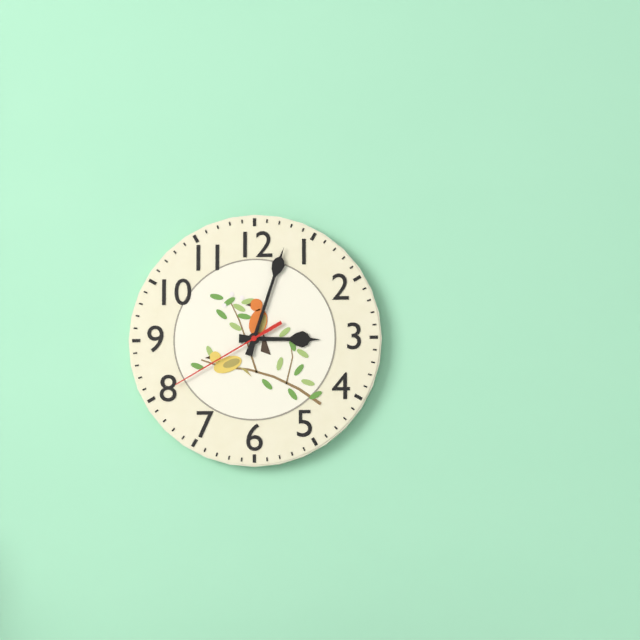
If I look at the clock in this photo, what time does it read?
3:03:40
